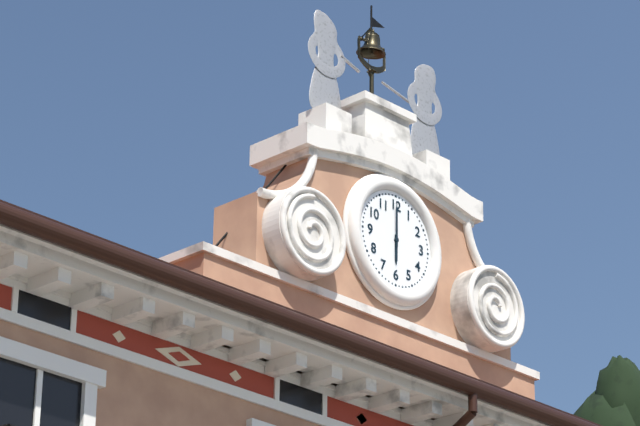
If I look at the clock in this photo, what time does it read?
6:00
